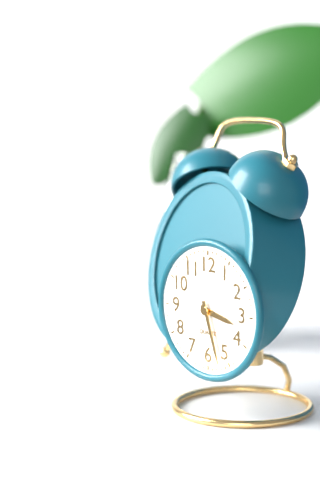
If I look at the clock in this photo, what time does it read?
3:27
